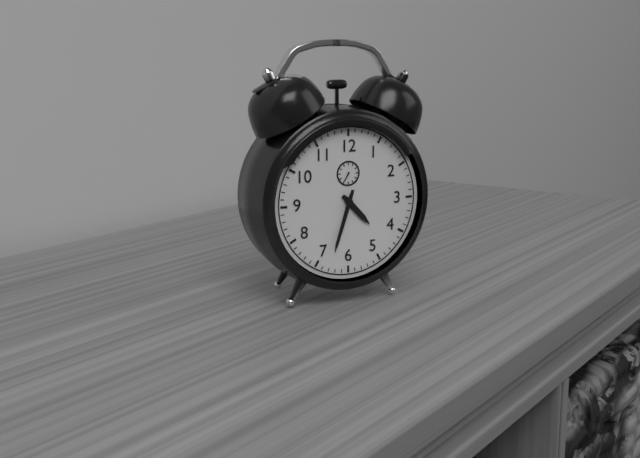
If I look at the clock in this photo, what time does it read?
4:33
